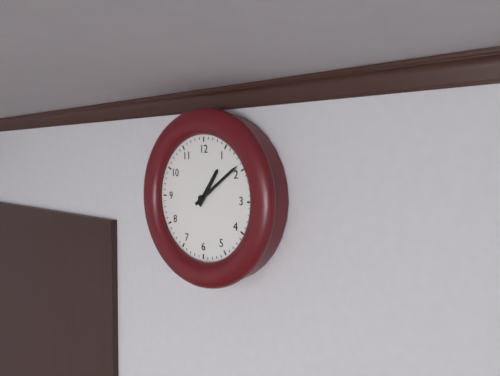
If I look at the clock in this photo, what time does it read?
1:09
